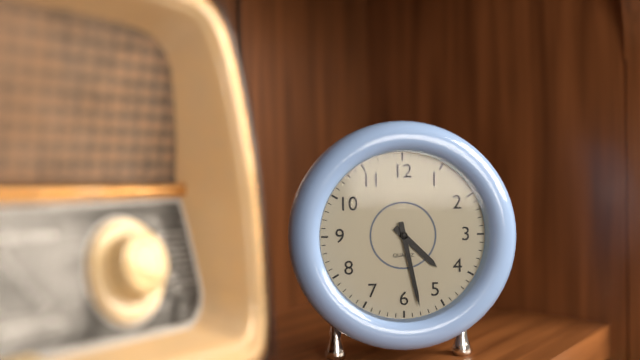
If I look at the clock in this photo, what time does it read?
4:28
